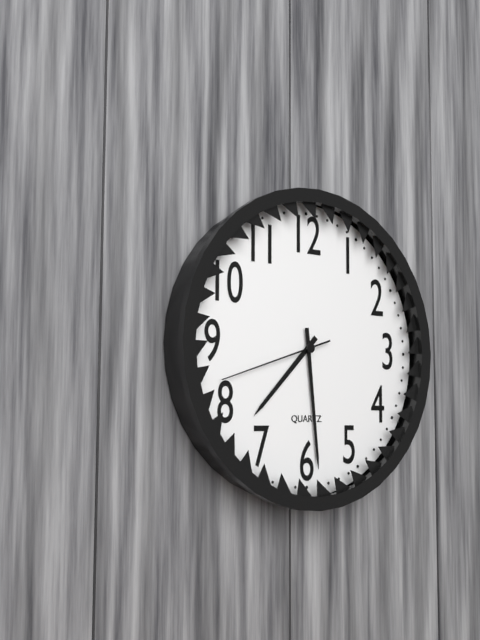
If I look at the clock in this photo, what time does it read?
7:29:42
